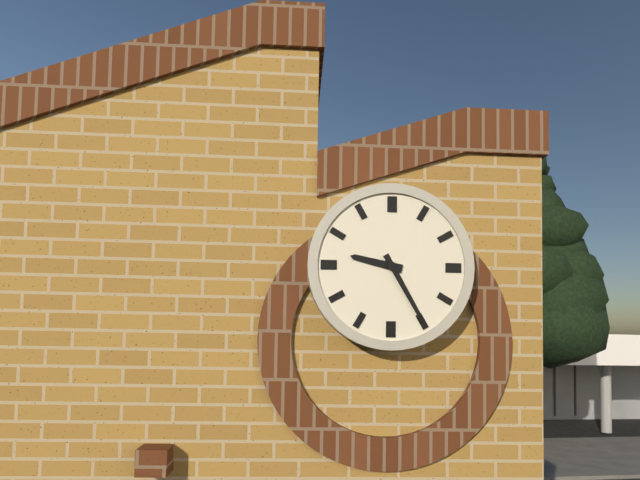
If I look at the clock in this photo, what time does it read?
9:25
